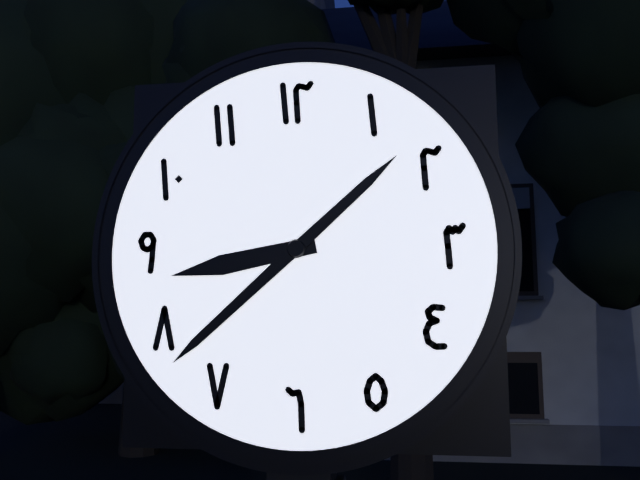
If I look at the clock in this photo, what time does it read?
8:38
